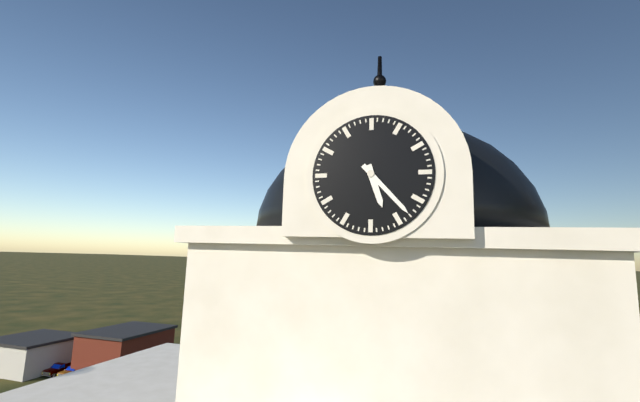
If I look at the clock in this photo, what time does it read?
5:23
